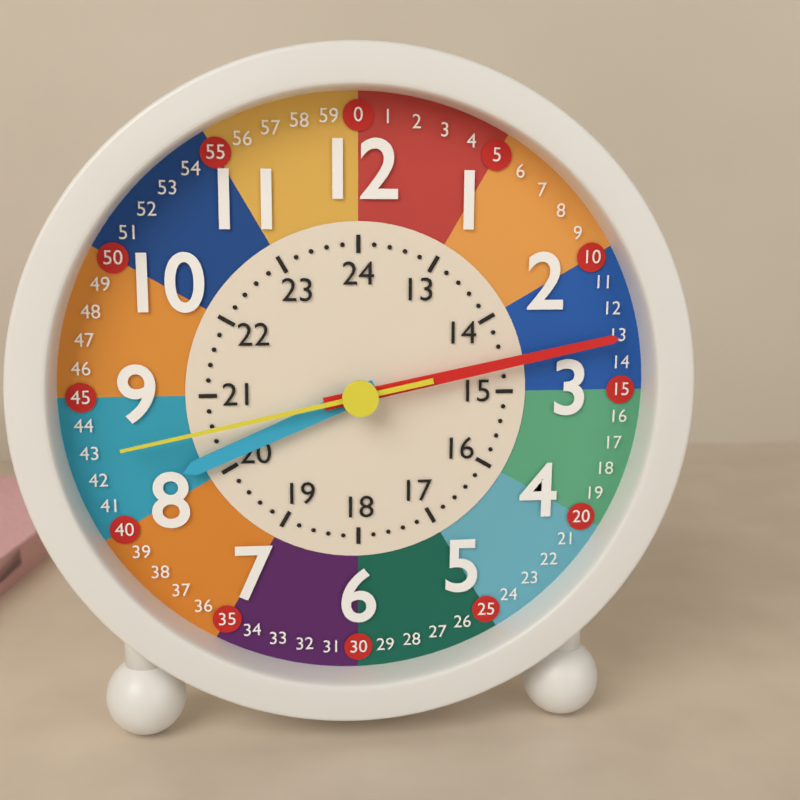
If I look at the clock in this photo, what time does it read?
8:13:43
